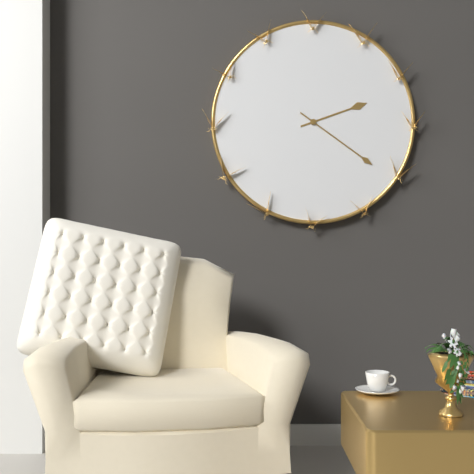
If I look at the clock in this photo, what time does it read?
2:21
